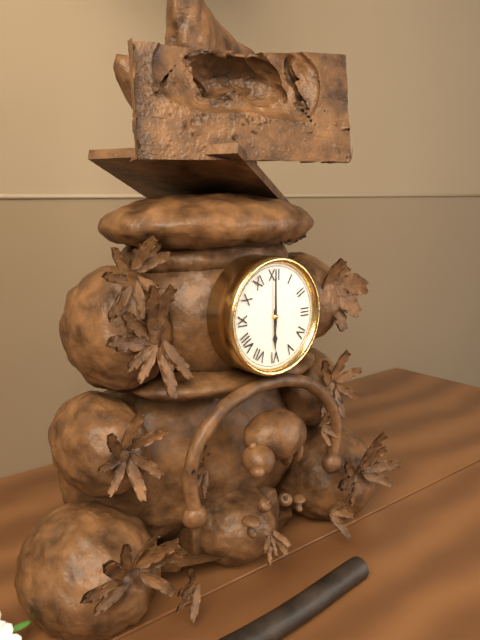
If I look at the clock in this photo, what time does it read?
6:00
